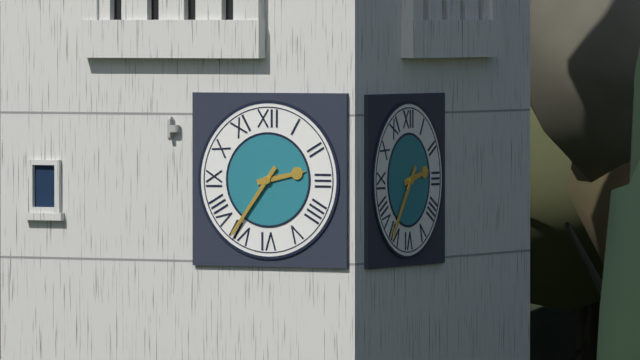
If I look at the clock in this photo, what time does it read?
2:36
